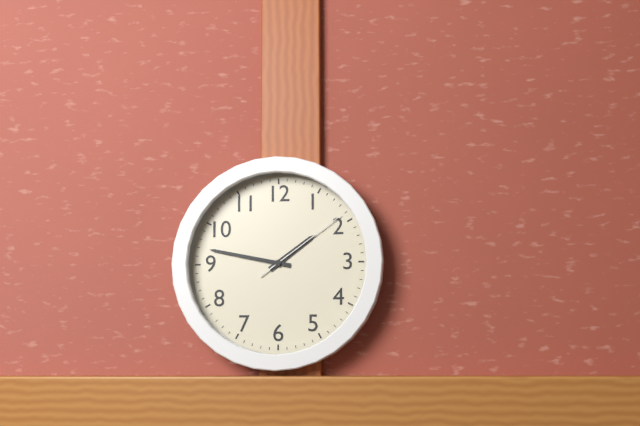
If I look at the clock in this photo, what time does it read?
1:47:09
